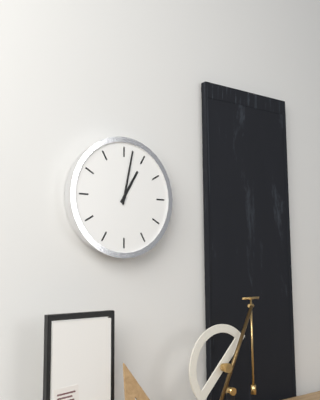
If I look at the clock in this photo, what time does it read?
1:02
